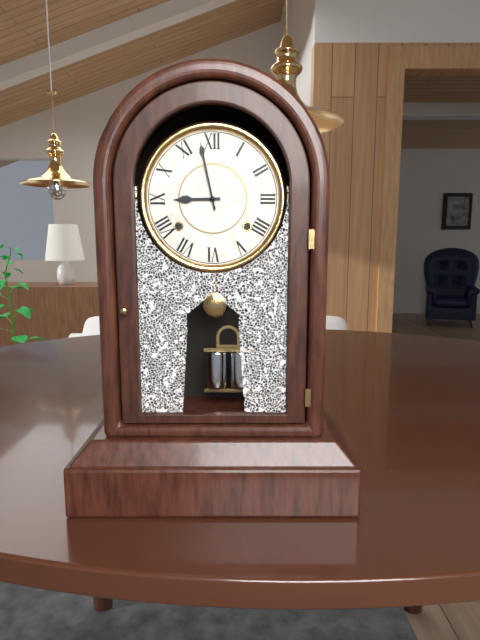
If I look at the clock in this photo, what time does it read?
8:58
